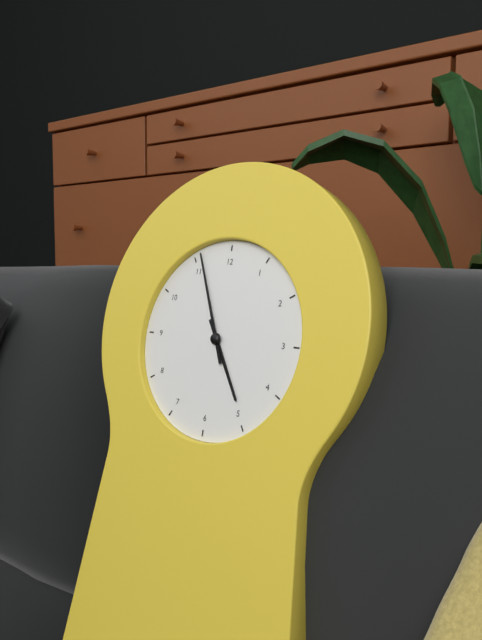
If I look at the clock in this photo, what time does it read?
4:56
